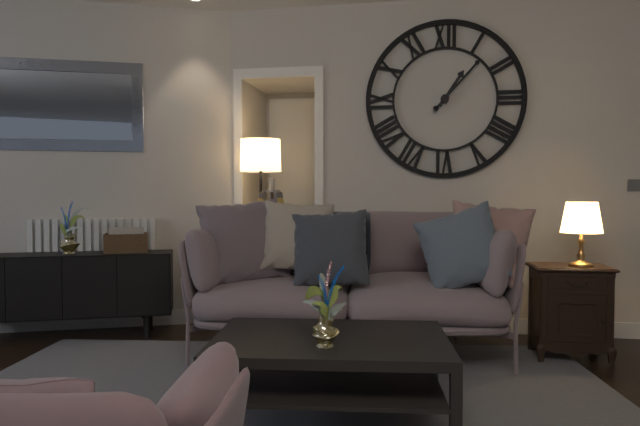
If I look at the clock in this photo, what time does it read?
1:07
